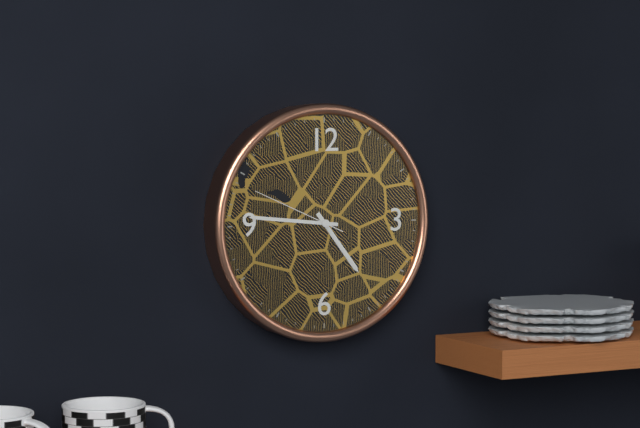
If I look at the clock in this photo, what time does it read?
4:46:49
